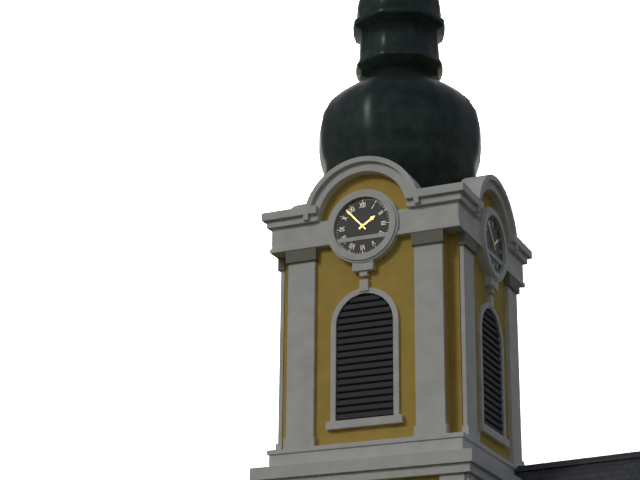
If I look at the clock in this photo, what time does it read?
1:53
